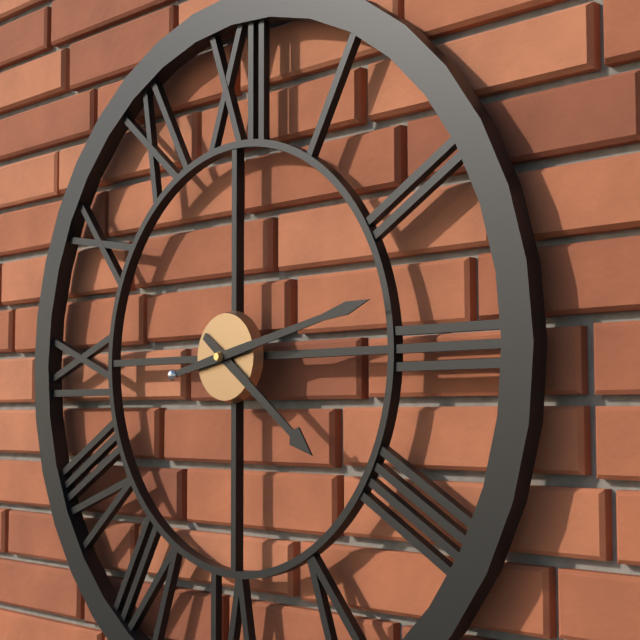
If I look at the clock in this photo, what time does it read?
4:13
